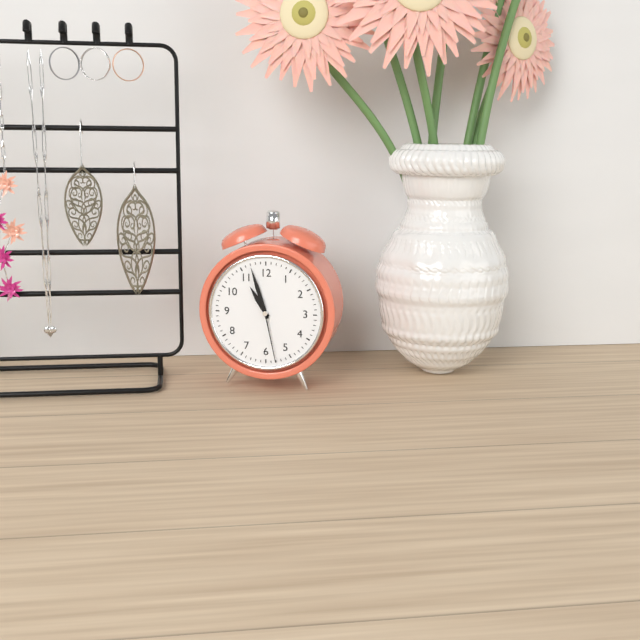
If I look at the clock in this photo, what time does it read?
10:57:28
